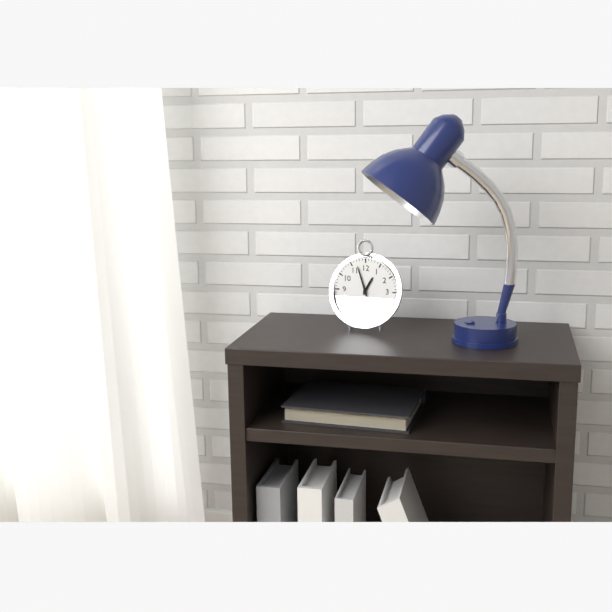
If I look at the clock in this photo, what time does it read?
12:57
